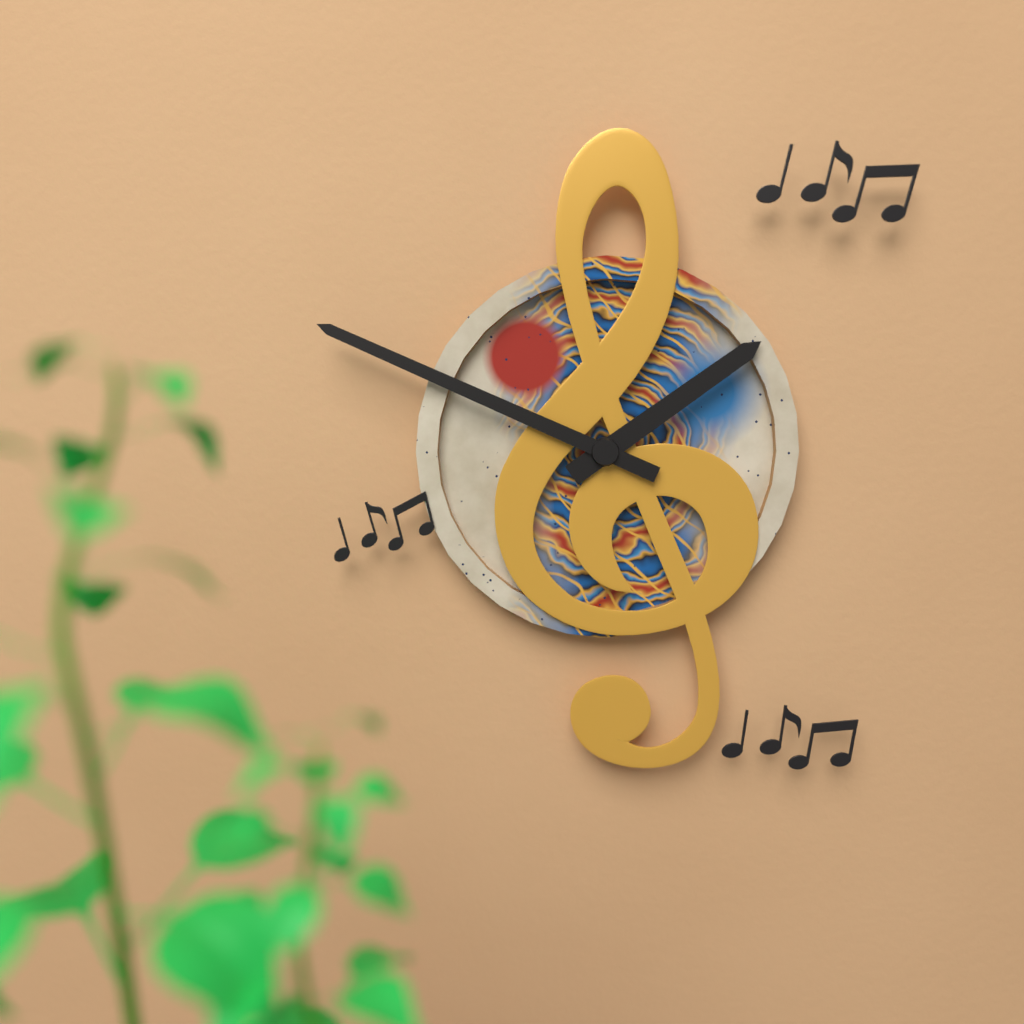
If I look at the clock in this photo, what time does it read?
1:49
